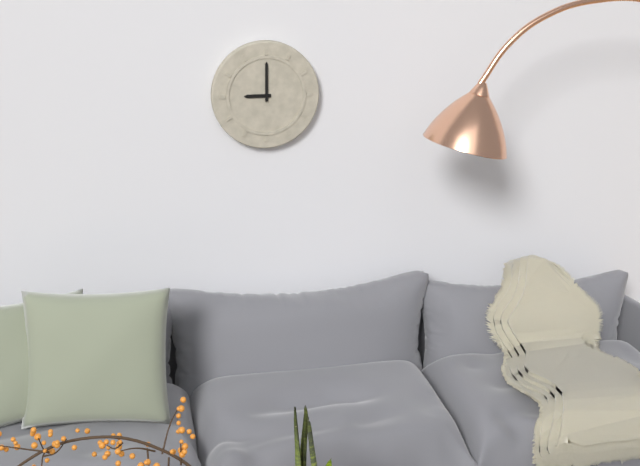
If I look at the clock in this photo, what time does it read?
9:00
